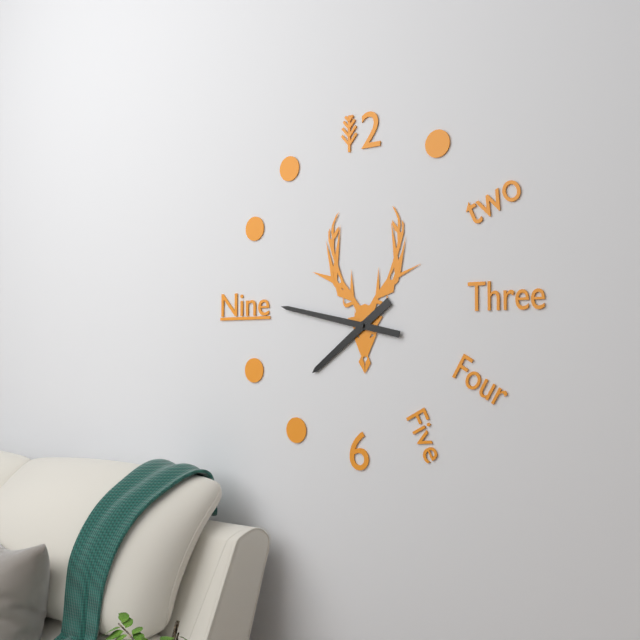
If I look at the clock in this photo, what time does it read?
7:47
